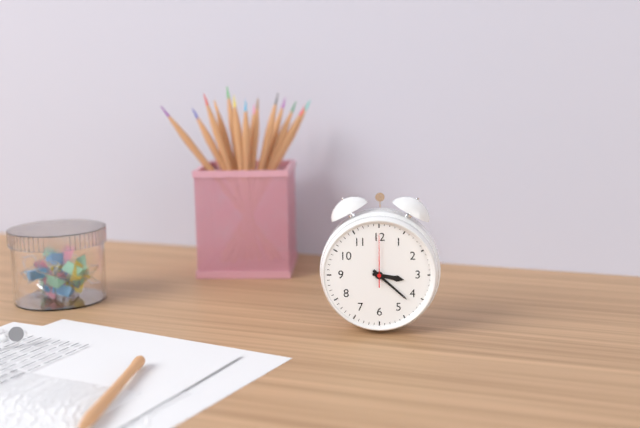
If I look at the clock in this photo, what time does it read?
3:22:00
